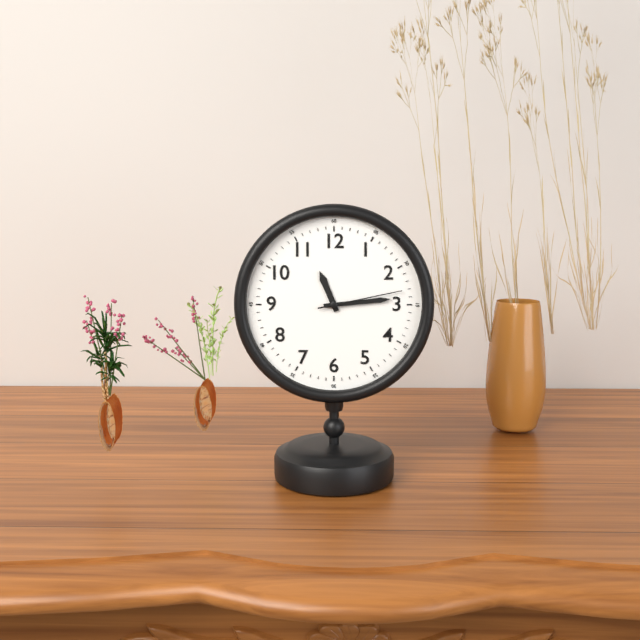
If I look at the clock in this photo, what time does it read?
11:14:13
